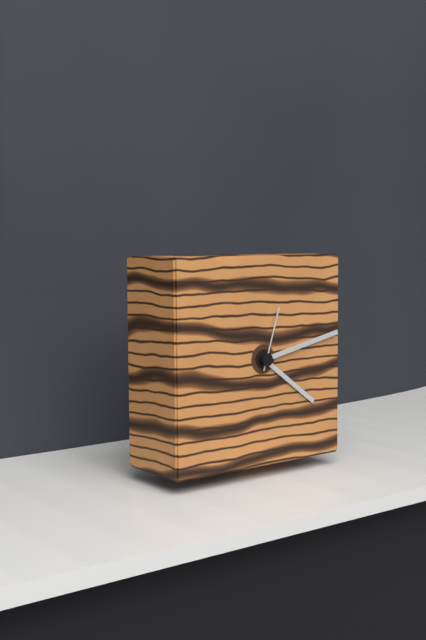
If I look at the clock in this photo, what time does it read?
4:13:03
